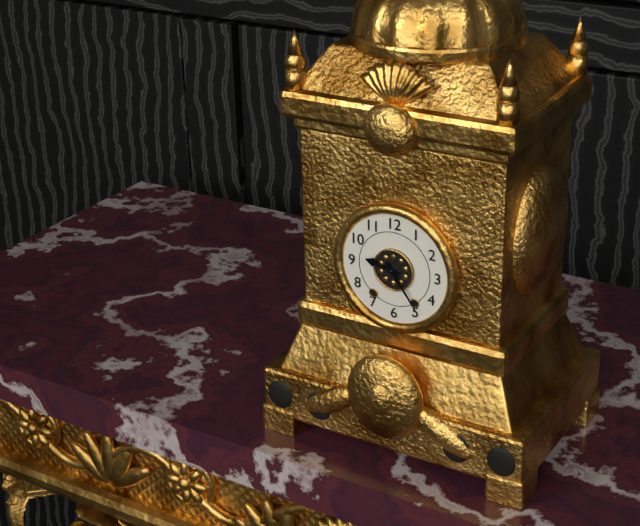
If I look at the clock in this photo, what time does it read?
9:24
